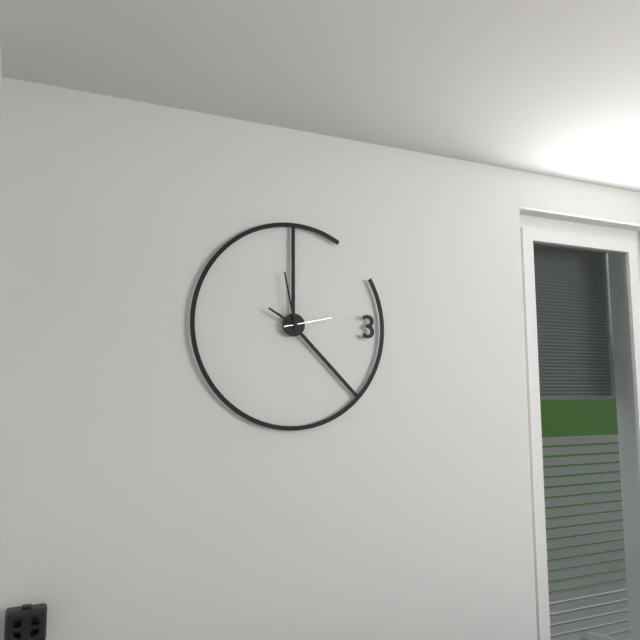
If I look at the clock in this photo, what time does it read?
9:58:13
